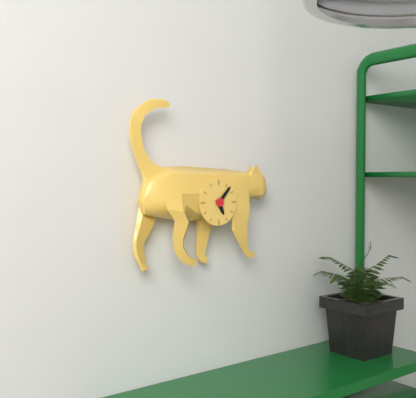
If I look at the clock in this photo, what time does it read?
5:07
